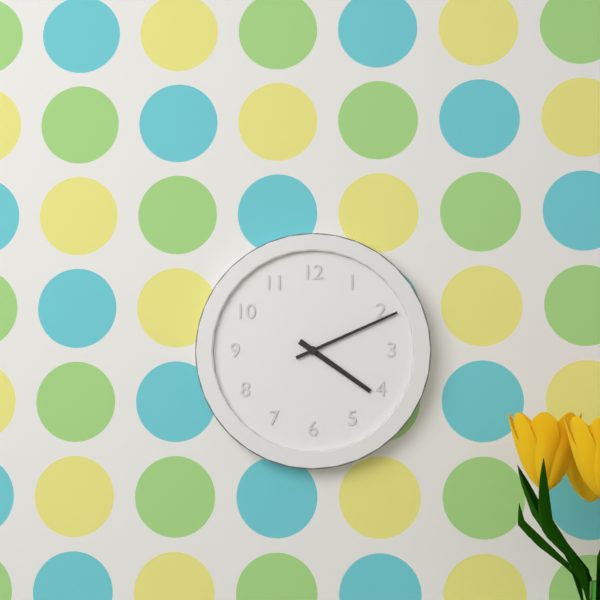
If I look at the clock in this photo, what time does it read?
4:11
